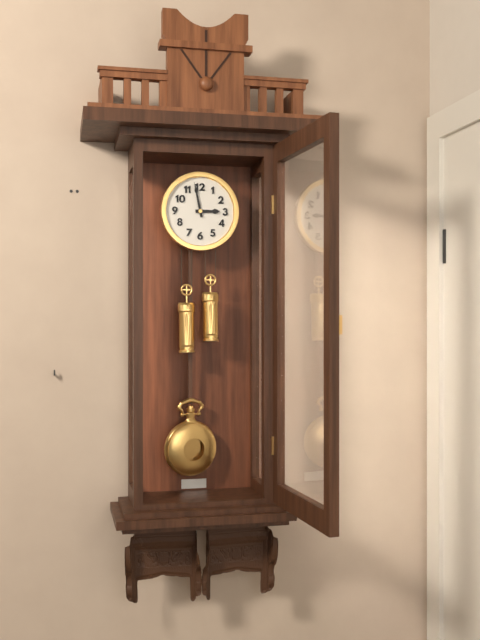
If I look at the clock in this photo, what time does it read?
2:58
